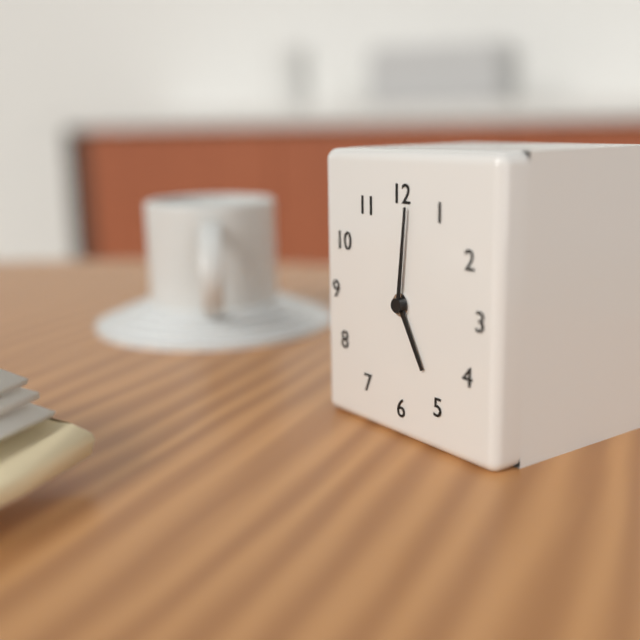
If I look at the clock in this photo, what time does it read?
5:01
